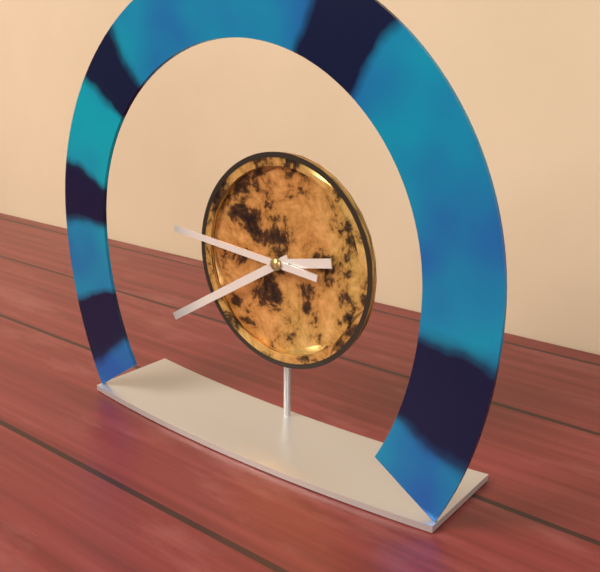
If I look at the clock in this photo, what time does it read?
2:40:46
